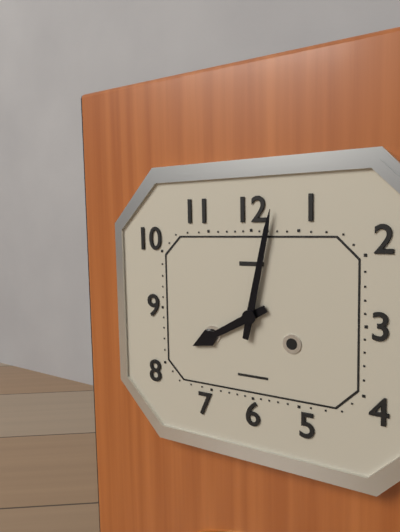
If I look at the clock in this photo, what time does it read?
8:02
